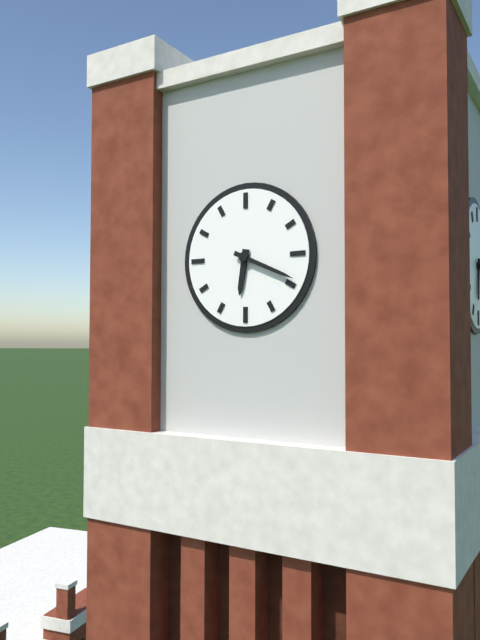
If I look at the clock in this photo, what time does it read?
6:19
